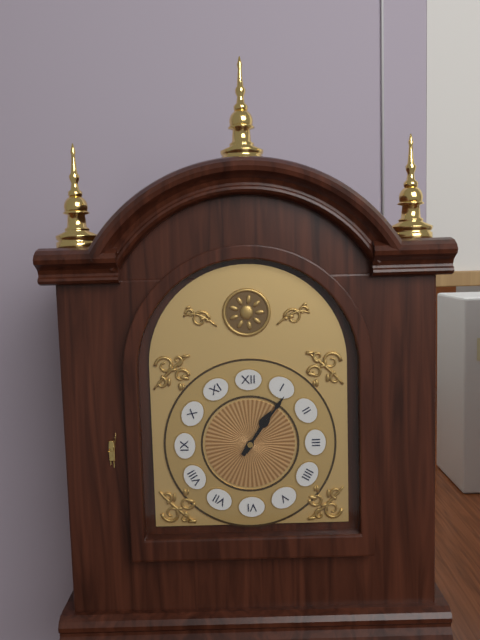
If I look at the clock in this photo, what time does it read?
1:06
